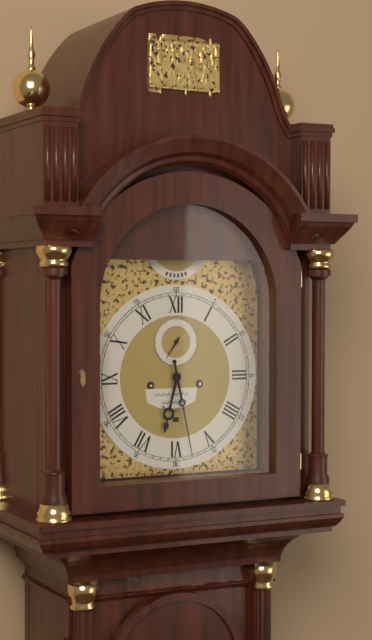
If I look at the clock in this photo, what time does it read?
6:28
